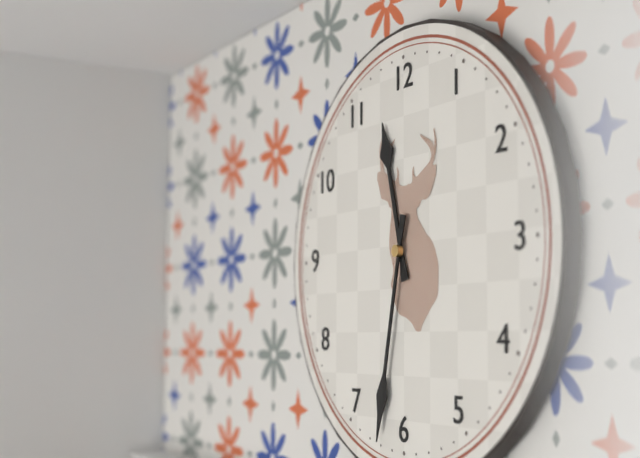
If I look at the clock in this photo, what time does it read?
11:32
